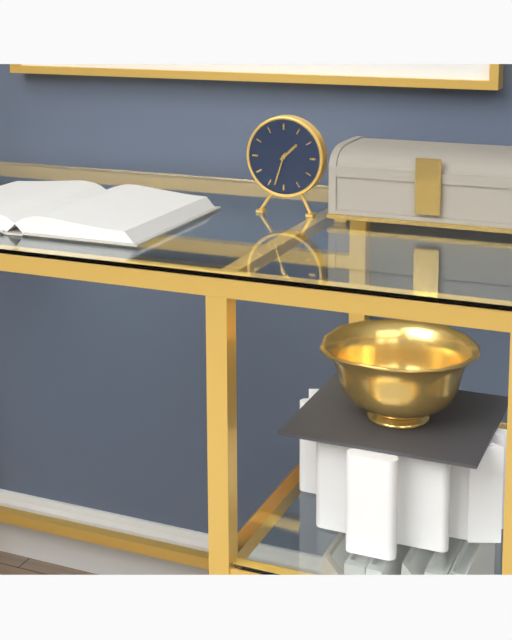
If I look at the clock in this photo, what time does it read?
1:33
